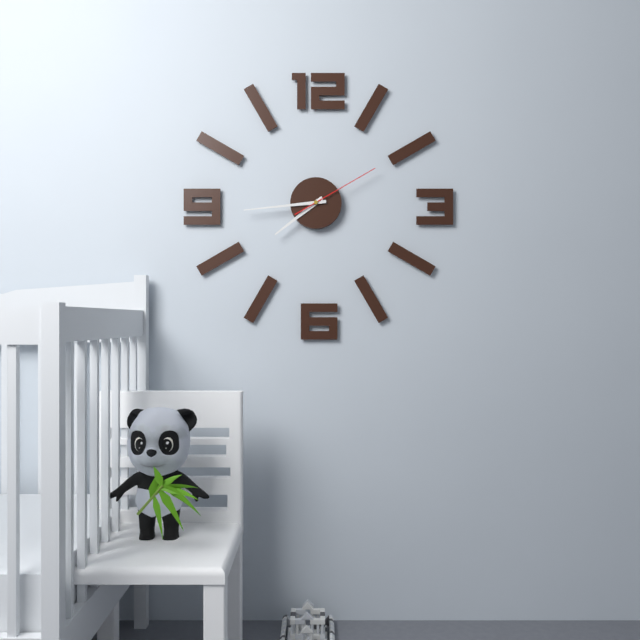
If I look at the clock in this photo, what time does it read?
7:44:10
